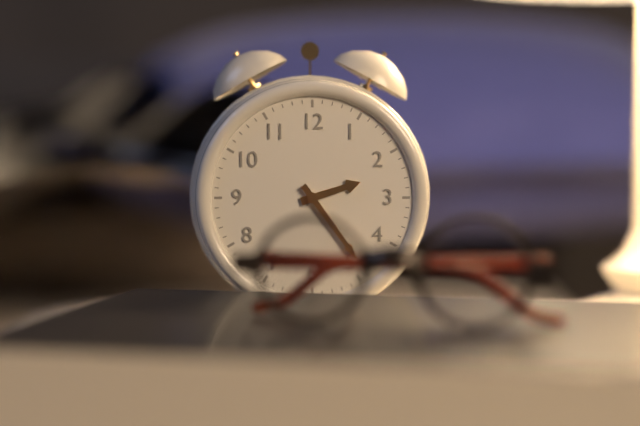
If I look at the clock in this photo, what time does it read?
2:24
